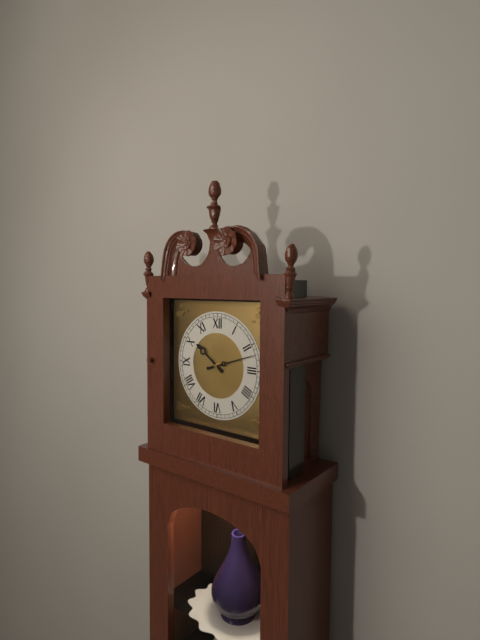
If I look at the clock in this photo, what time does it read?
10:12
